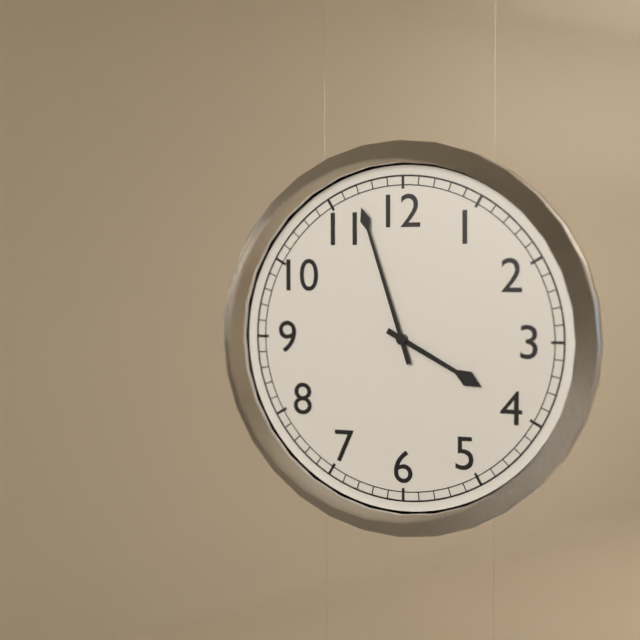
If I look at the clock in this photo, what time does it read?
3:57
